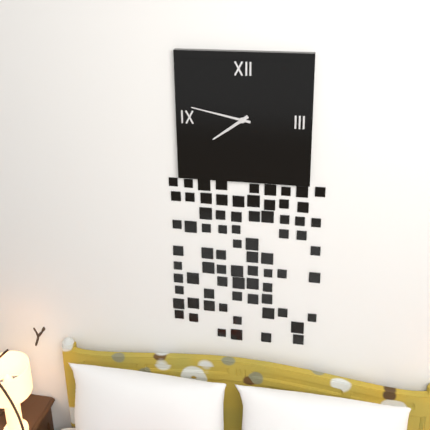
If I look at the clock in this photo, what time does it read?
7:47
